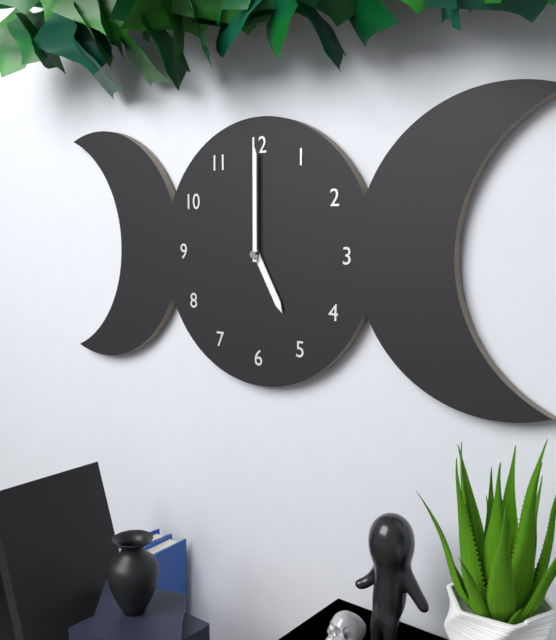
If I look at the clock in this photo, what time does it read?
5:00
